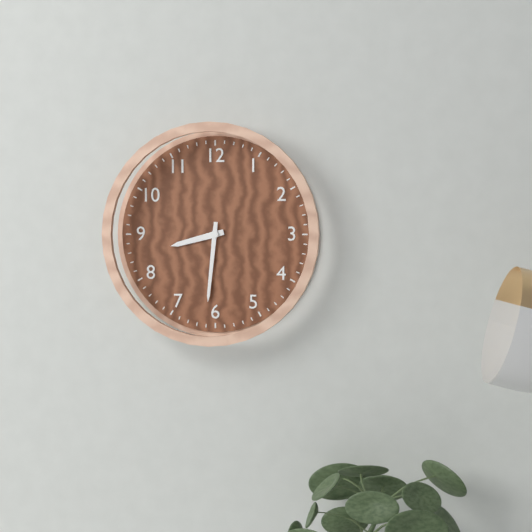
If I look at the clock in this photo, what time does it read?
8:31
